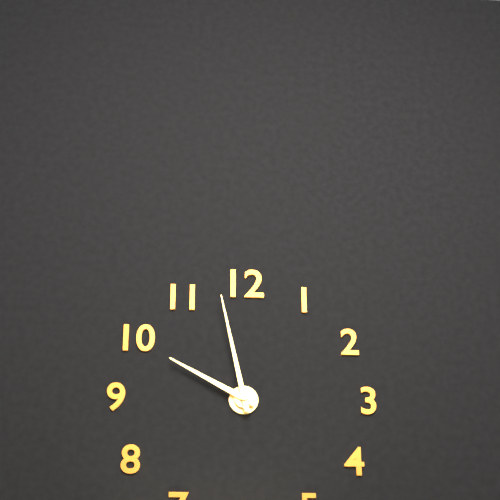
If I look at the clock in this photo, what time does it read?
9:58
